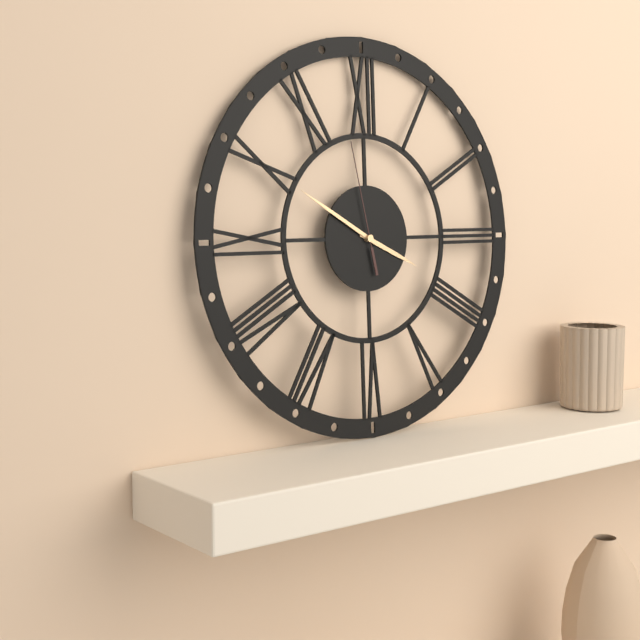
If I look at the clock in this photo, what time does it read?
3:50:58
